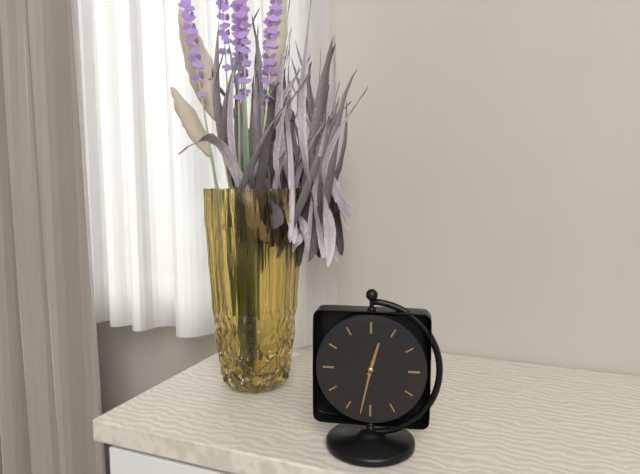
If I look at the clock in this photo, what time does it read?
12:32
